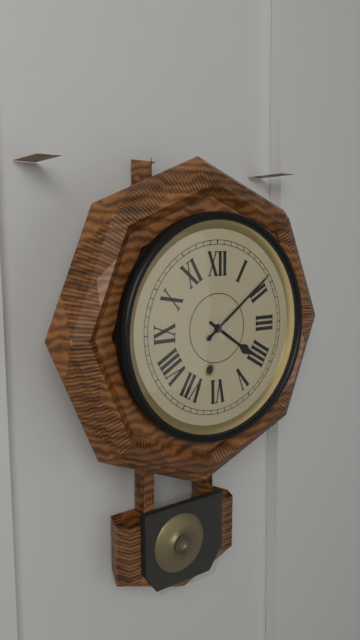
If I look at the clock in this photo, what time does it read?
4:09
